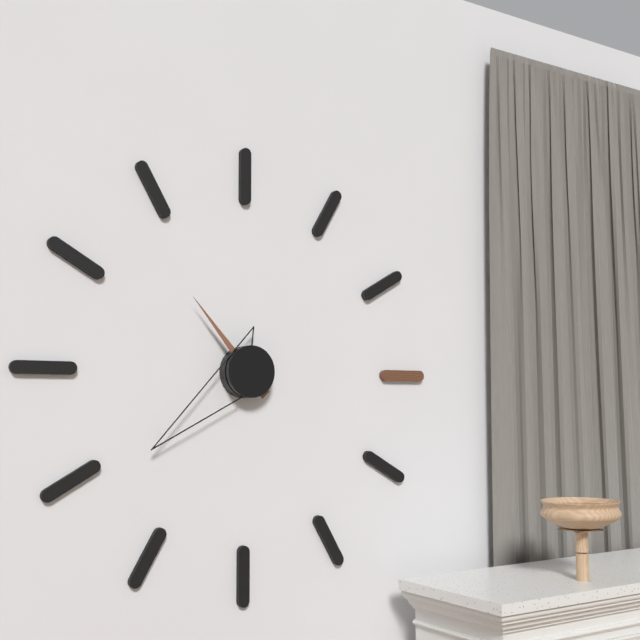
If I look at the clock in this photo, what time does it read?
10:39
